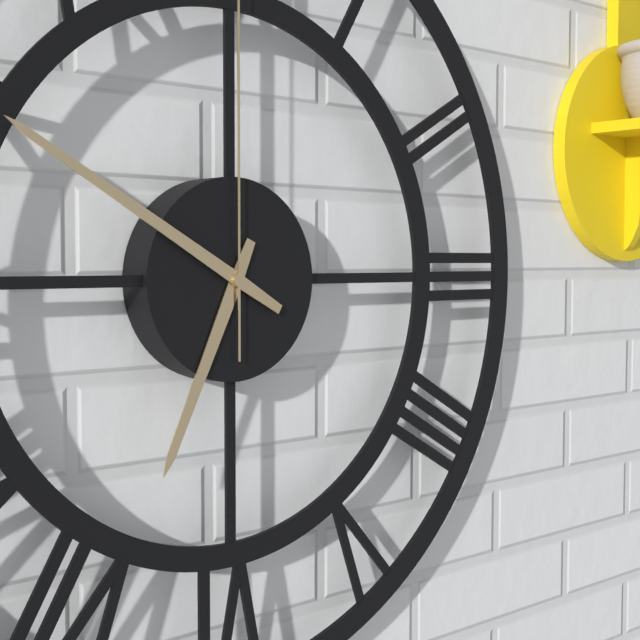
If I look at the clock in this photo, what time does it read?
6:50
